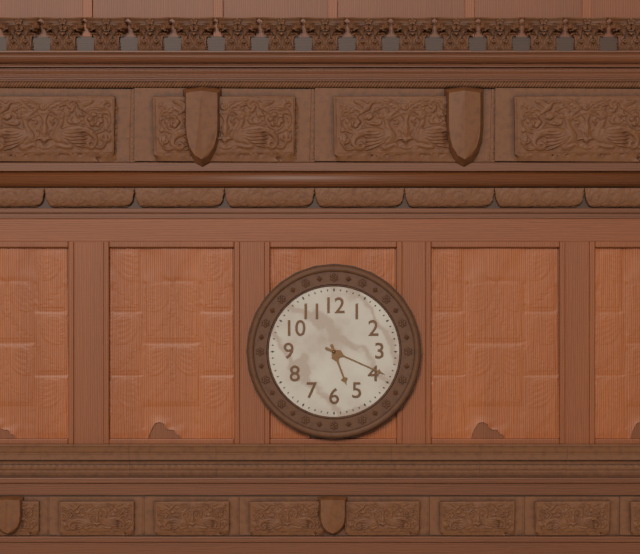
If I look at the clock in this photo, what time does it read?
5:19
